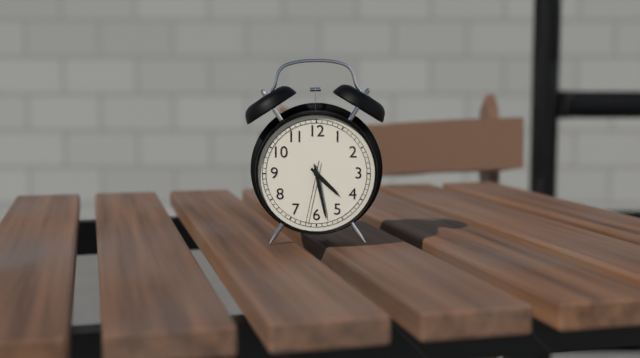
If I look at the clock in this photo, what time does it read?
4:28:32
